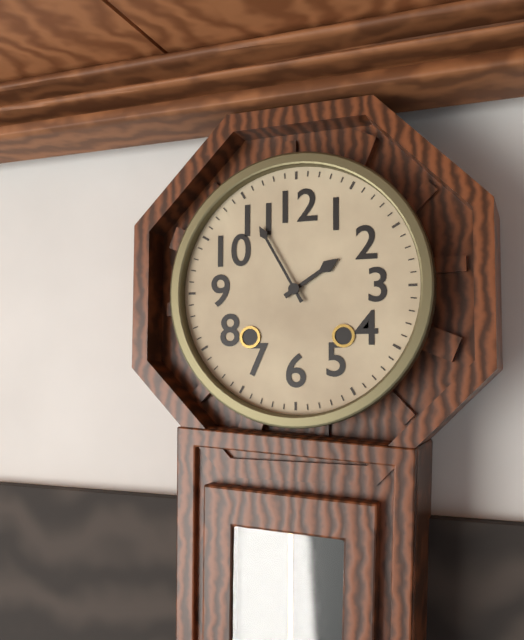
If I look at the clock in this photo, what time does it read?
1:55
